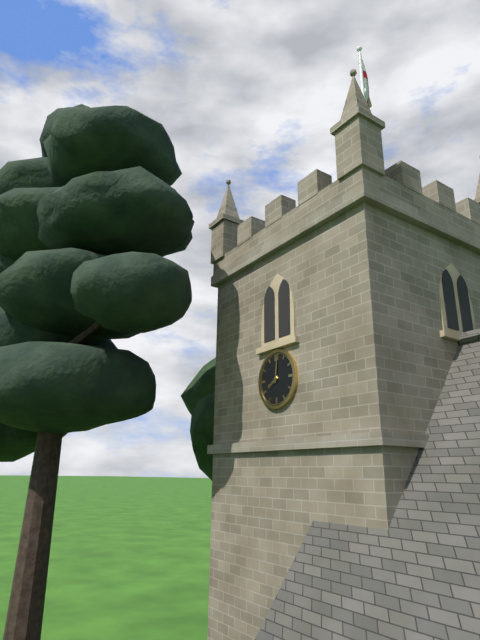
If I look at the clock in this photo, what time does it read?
8:01
